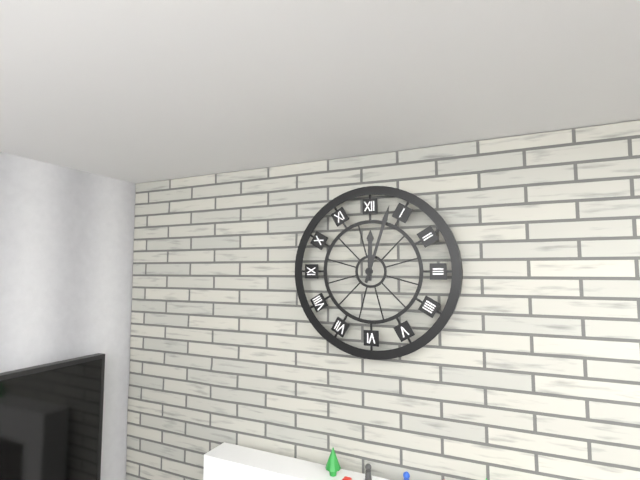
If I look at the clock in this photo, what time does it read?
12:03
